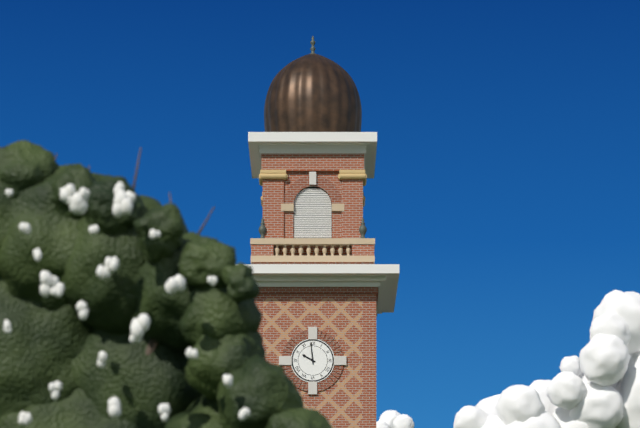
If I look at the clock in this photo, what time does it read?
9:59
